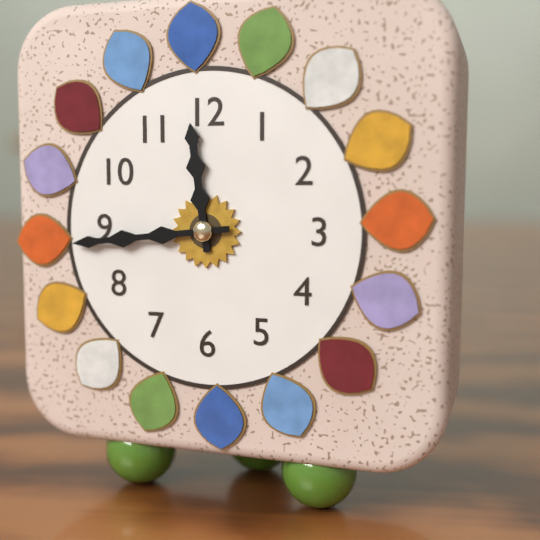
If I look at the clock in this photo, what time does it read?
11:44
